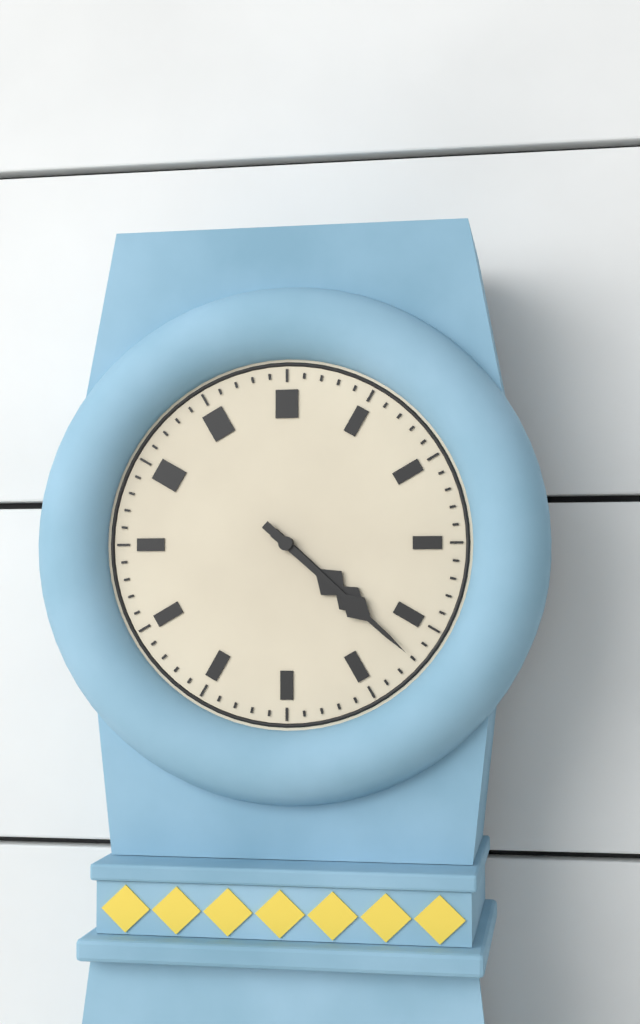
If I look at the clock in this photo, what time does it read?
4:22
